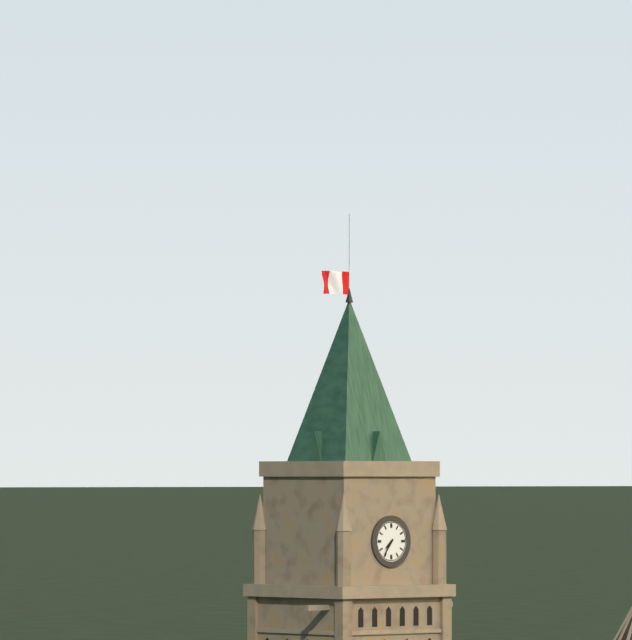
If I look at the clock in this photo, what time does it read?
7:36
